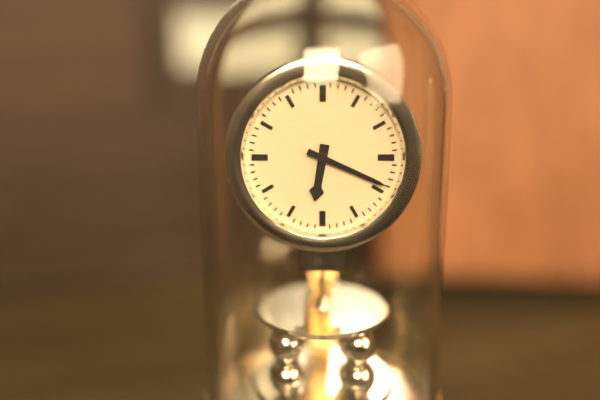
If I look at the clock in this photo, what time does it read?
6:19
